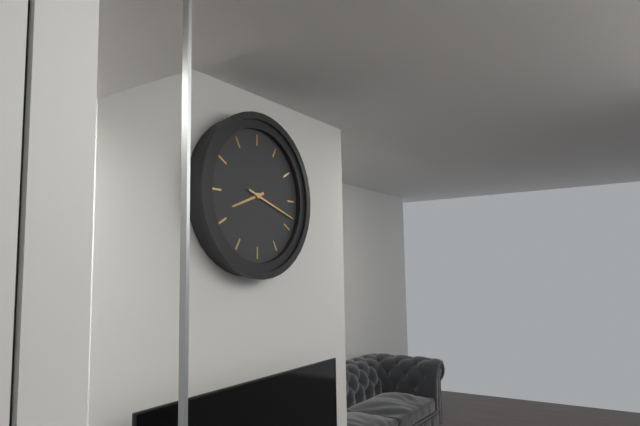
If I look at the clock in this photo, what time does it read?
8:18
